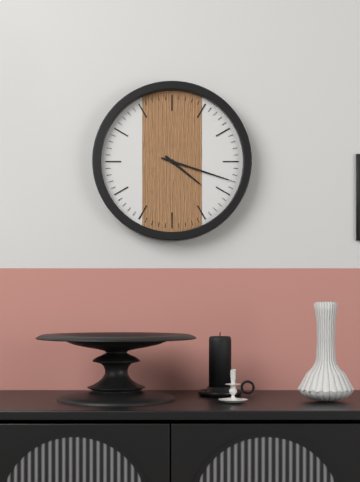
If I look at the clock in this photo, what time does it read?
4:18
